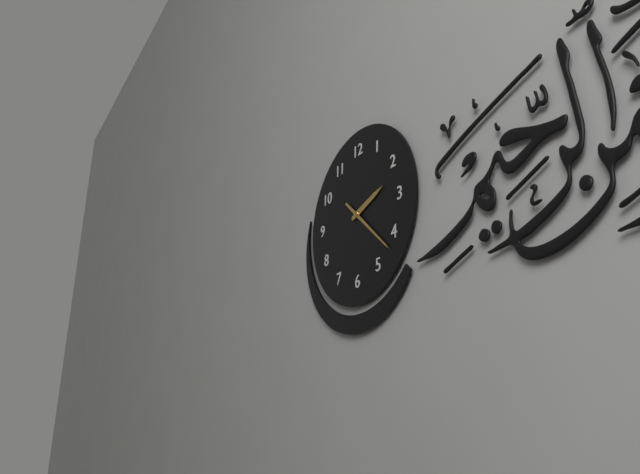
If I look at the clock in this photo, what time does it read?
2:22
